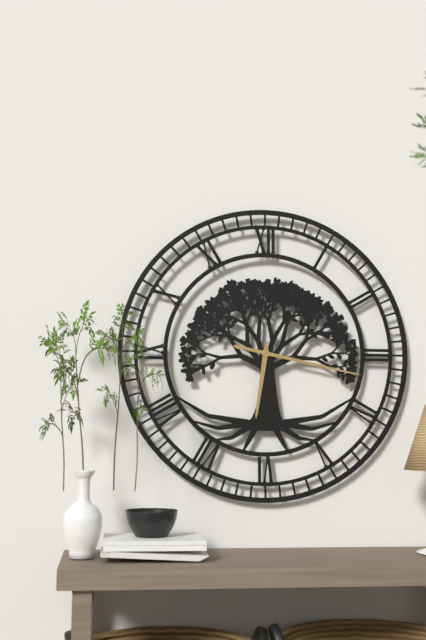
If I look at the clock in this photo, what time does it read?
6:17
